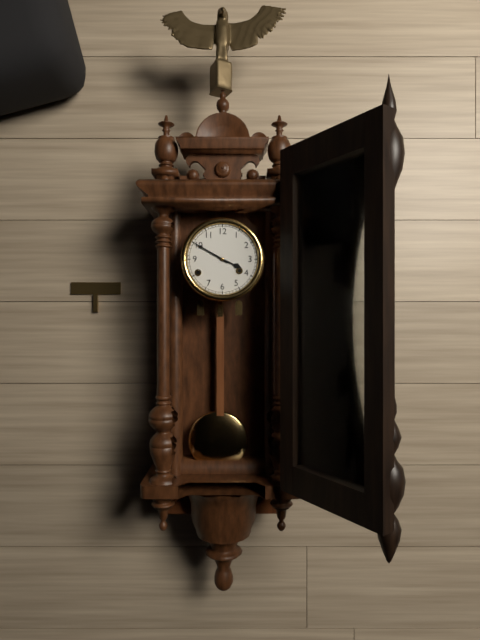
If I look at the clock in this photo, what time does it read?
3:50
